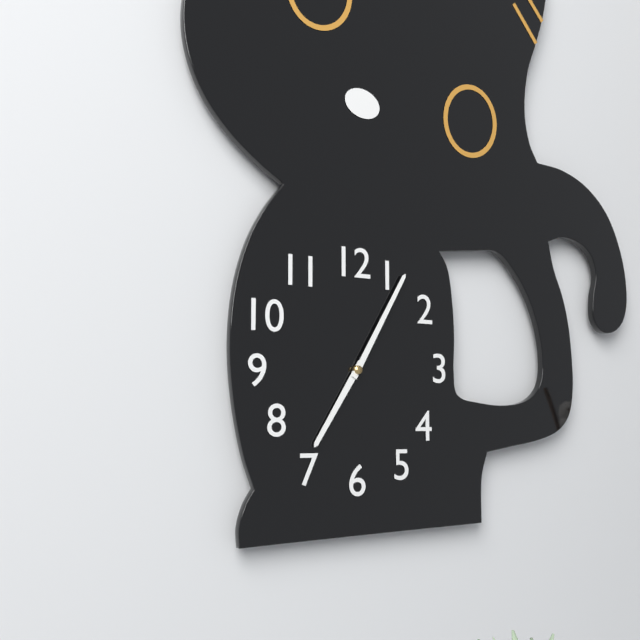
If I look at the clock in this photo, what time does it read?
7:05
